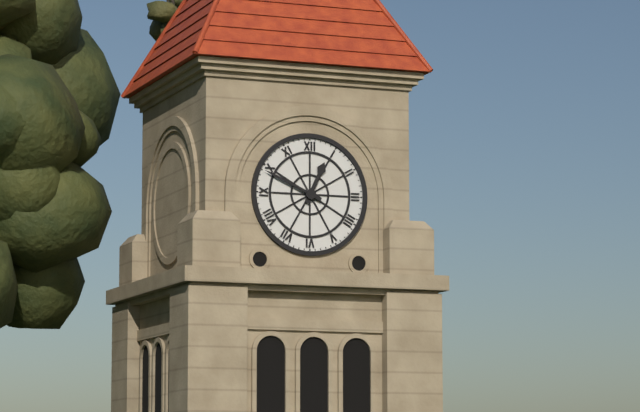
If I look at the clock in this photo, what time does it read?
12:49
